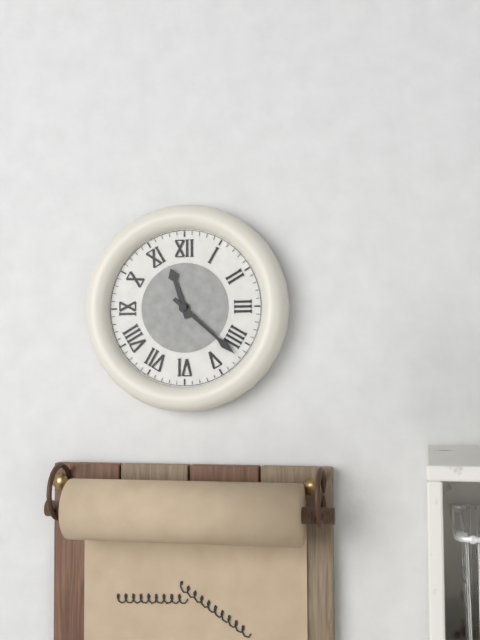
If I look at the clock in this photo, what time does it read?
11:22
